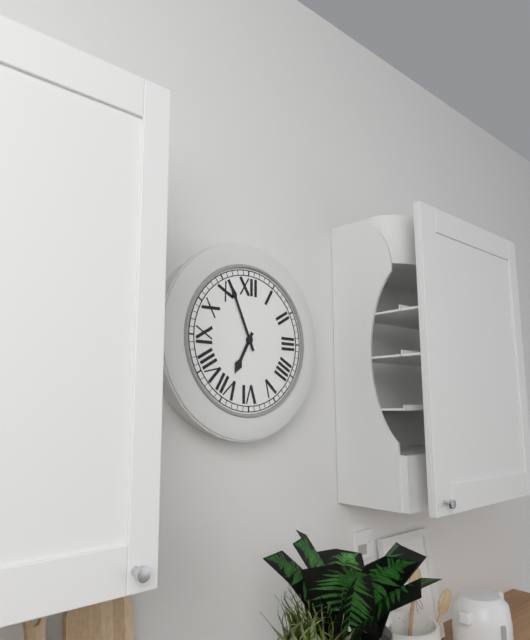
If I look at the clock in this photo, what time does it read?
6:56
